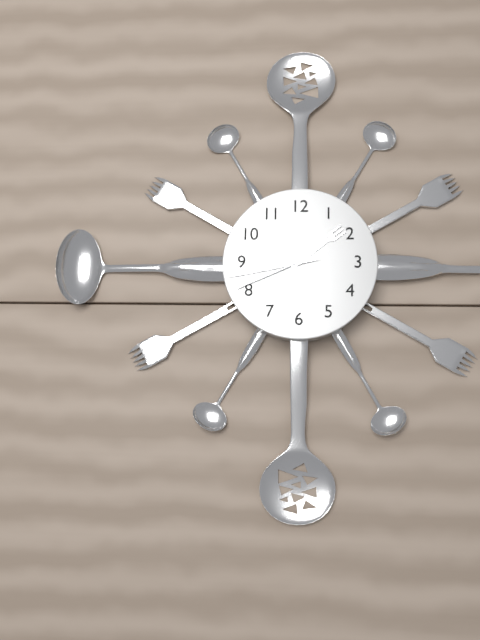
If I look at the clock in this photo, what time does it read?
1:43:41
